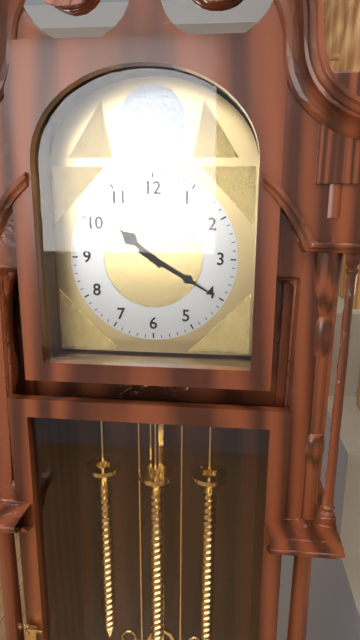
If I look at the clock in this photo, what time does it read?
10:20
